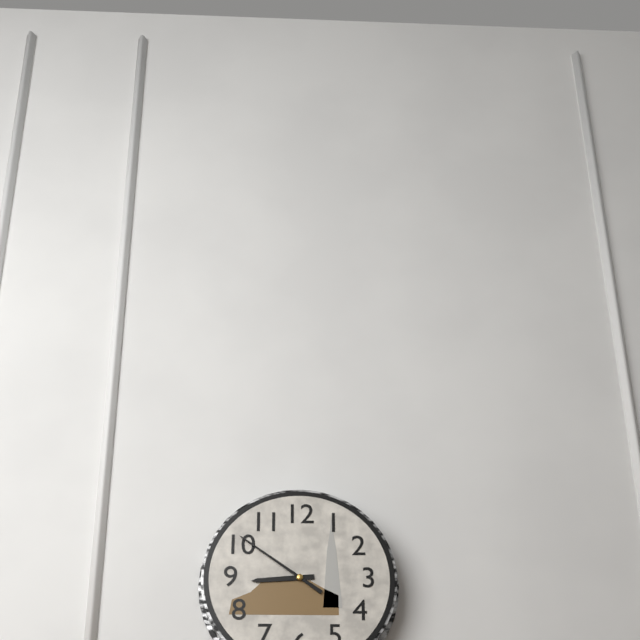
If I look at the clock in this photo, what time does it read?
8:51
